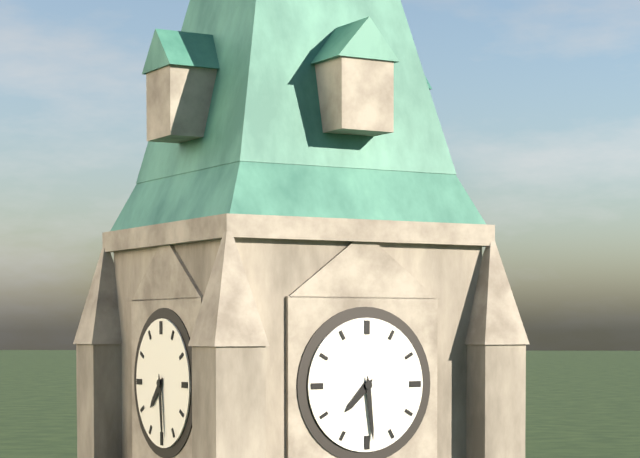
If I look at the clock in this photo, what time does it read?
7:29
